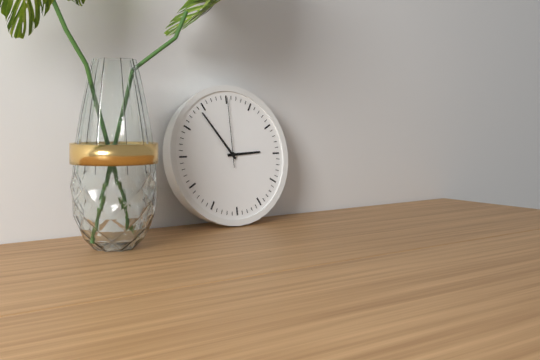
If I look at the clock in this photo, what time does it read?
2:54:00
